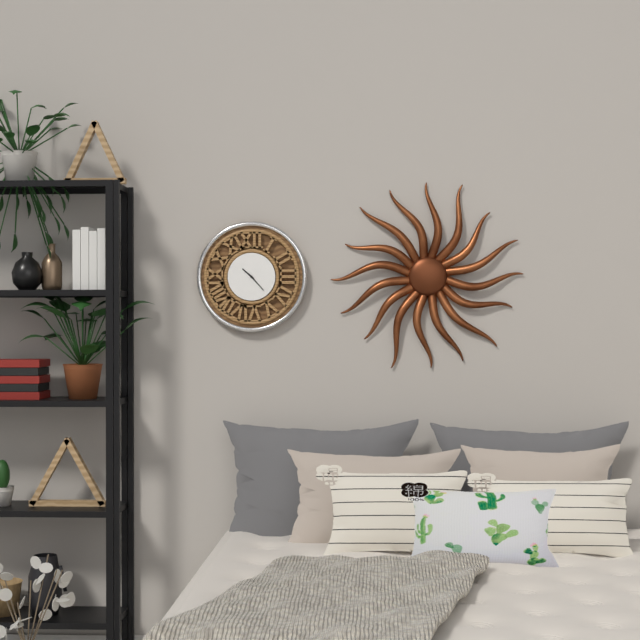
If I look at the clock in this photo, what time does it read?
10:23
